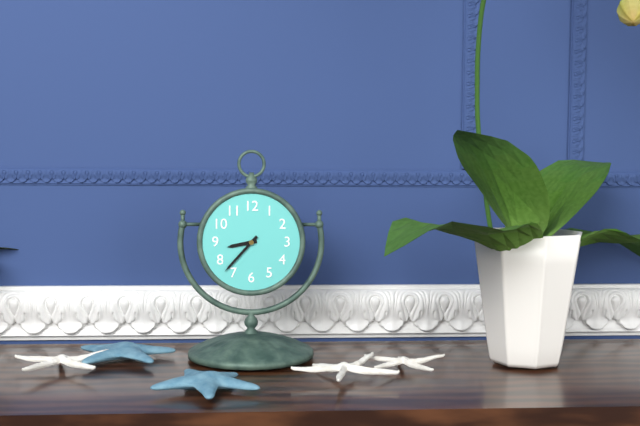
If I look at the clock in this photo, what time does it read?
8:37
